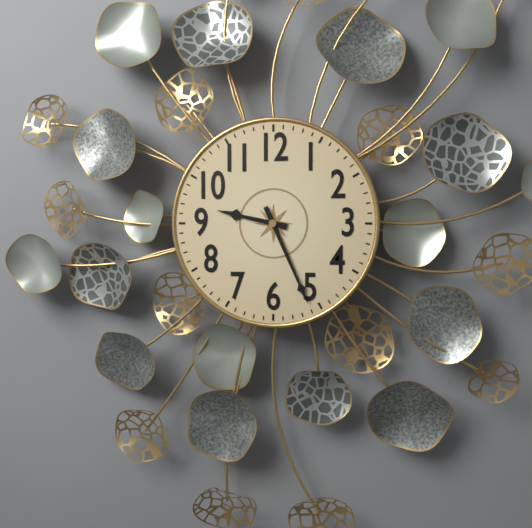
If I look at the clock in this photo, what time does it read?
9:26
